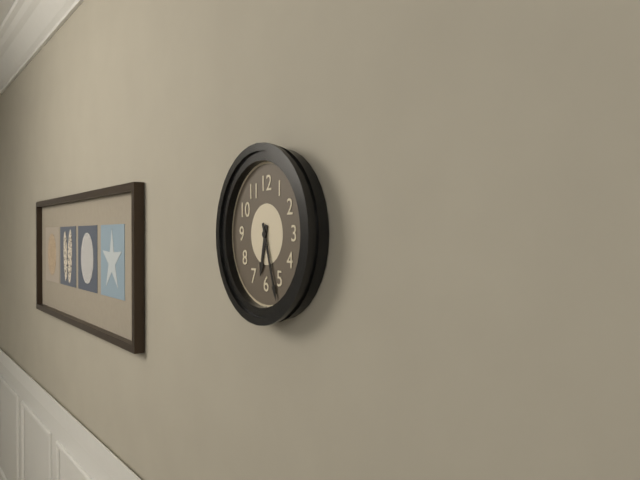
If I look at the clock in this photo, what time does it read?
6:27
